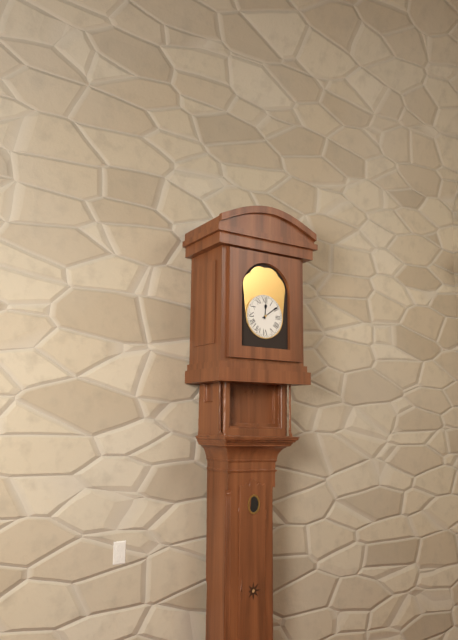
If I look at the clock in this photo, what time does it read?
12:09
